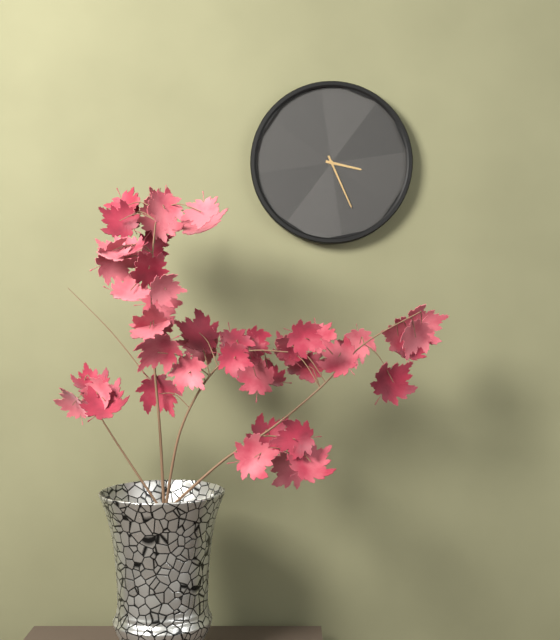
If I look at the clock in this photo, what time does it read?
3:26
